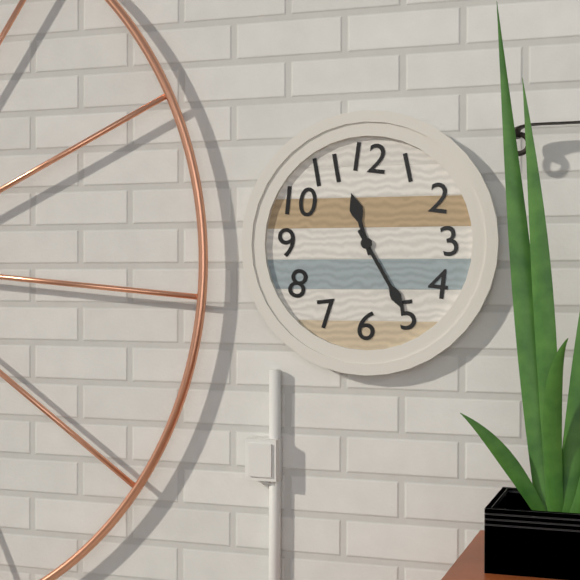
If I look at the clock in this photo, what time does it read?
11:25
